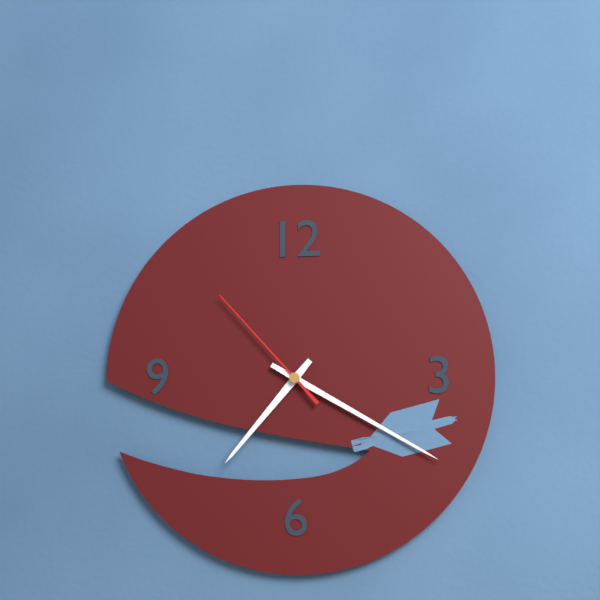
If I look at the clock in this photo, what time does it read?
7:20:53
